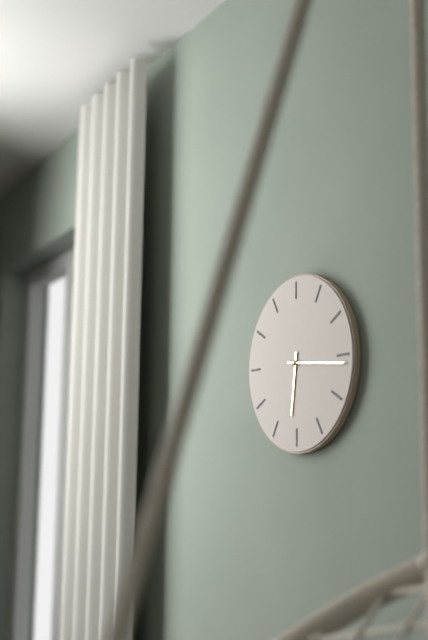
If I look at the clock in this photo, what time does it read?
6:16
